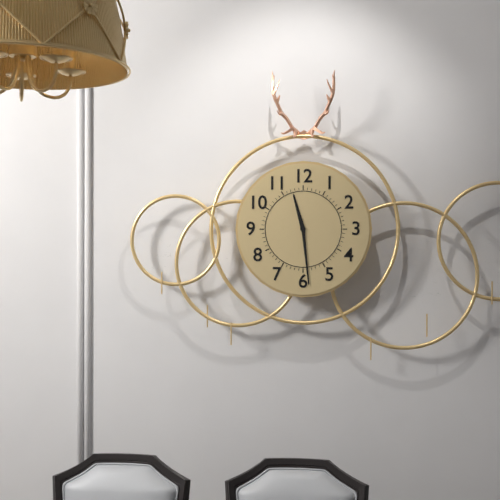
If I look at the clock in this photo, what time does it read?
11:29
